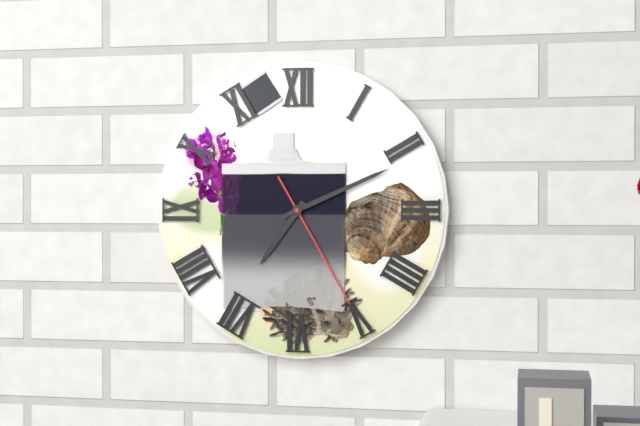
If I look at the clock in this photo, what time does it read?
7:11:25
